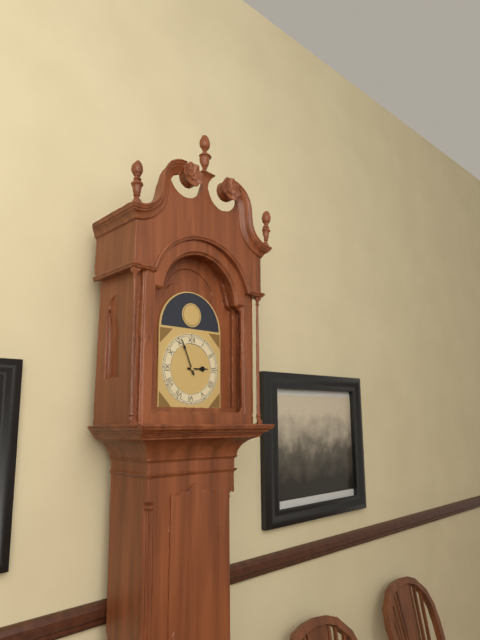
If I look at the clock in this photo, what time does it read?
2:56
